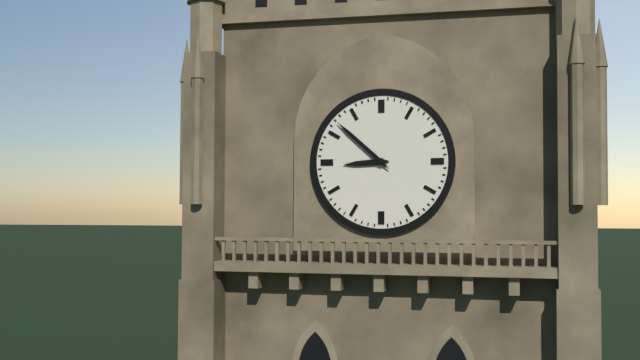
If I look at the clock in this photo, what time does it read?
8:52
